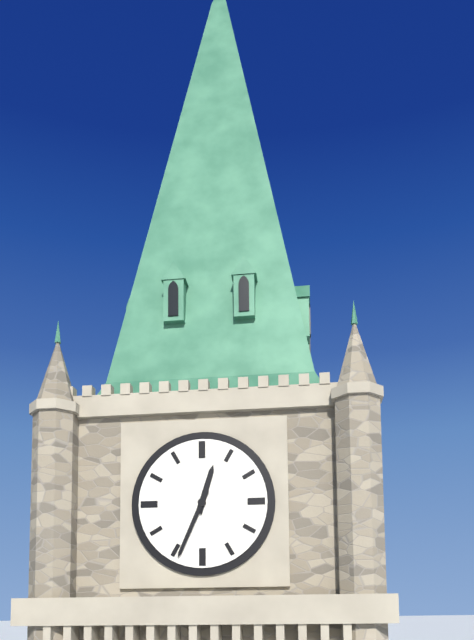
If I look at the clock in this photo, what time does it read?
12:34
